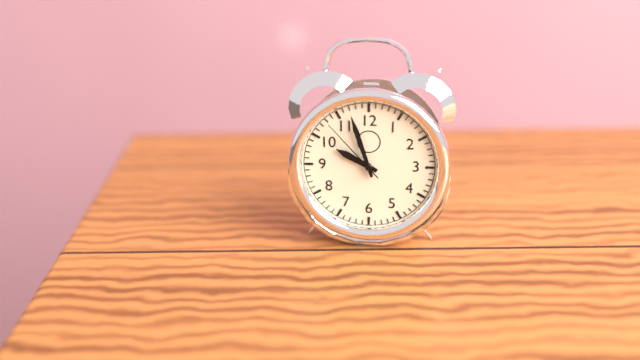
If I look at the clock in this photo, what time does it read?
9:57:53
